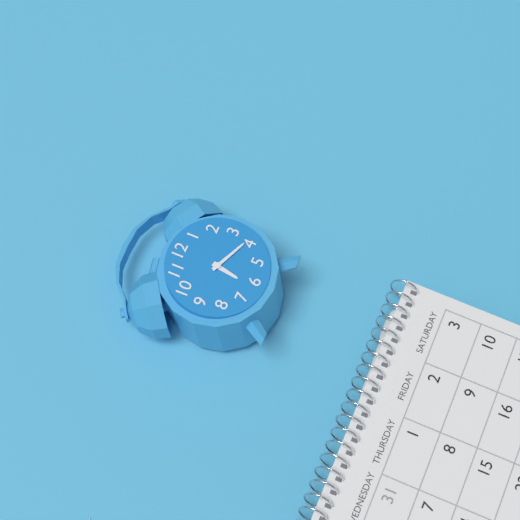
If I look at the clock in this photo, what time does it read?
6:19
